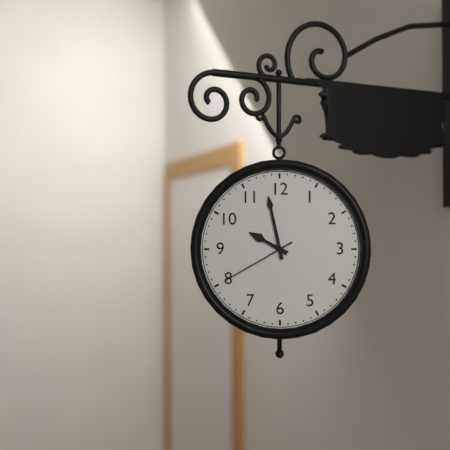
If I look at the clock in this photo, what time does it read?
9:58:40
